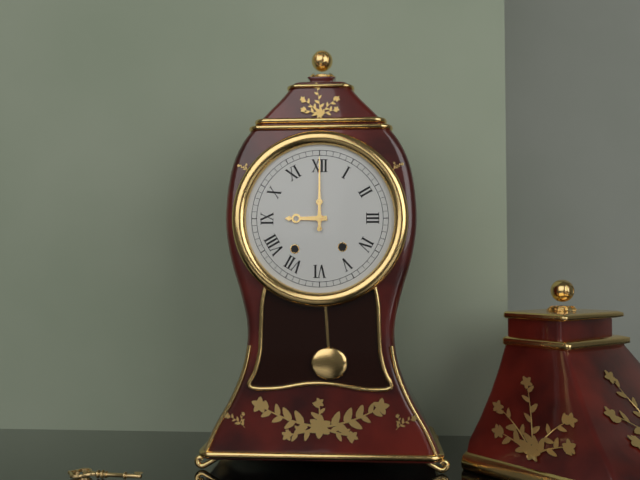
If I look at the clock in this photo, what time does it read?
9:00
